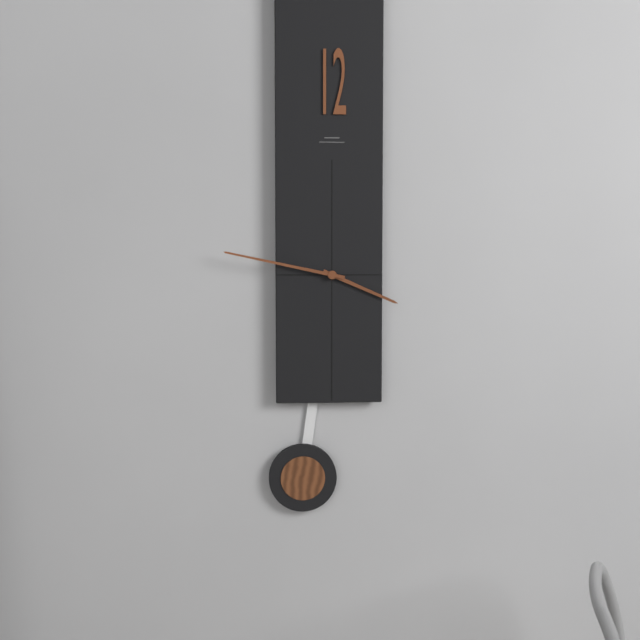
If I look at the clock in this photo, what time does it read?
3:47
